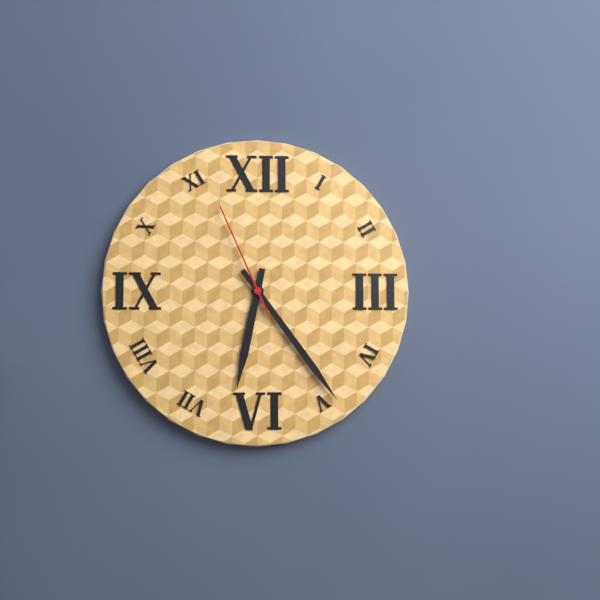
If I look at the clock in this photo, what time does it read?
6:24:56
